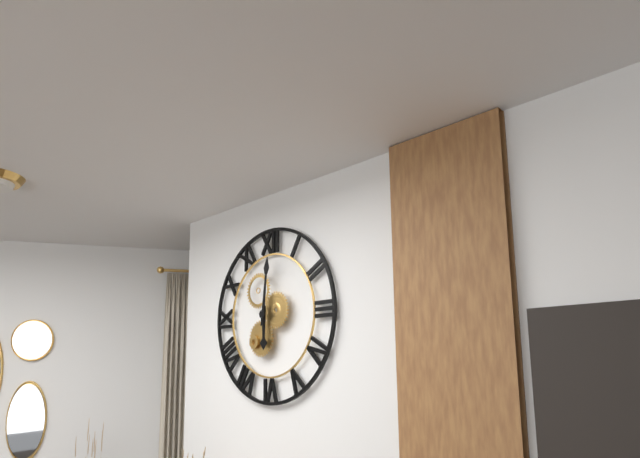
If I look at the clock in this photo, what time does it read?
6:01
